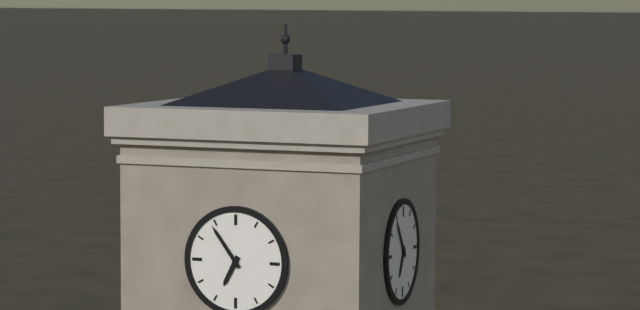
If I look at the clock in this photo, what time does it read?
6:54
